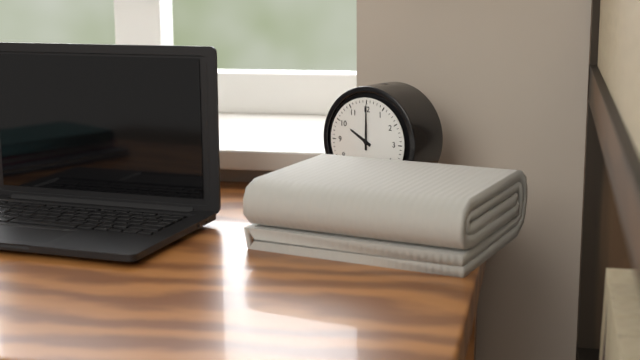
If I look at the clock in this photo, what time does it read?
10:00
